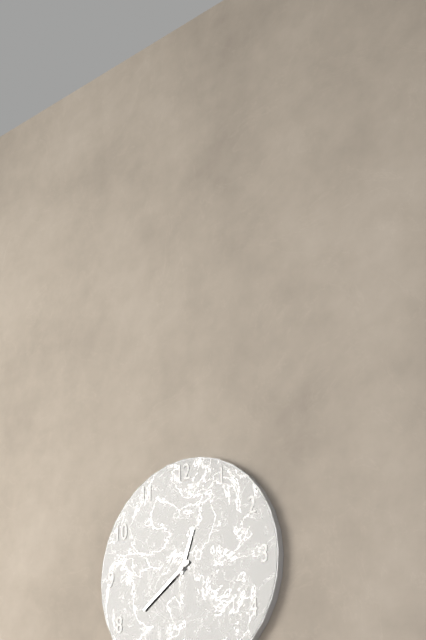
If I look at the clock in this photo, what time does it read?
12:39
